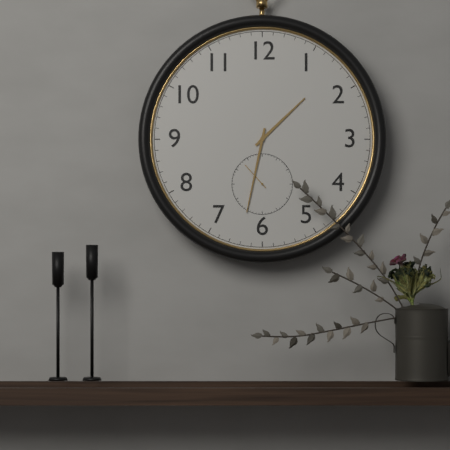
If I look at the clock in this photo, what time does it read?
1:32
